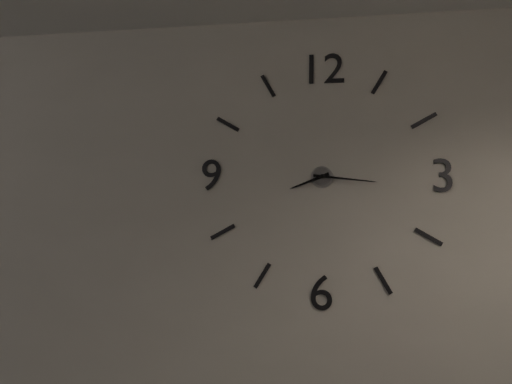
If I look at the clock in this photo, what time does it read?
8:16
